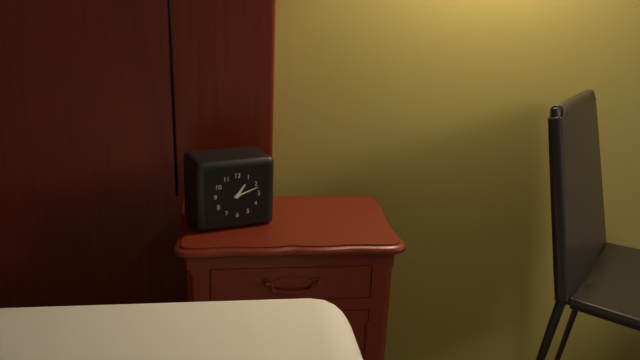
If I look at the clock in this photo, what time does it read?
1:12
